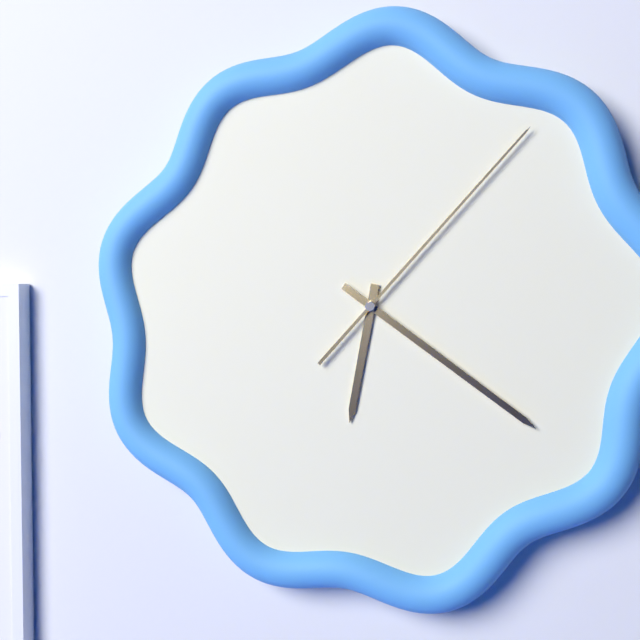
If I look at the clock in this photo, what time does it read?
6:21:07
